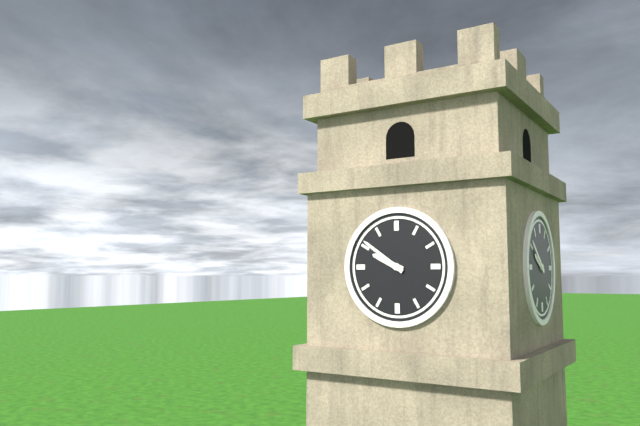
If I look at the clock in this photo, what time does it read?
9:51
